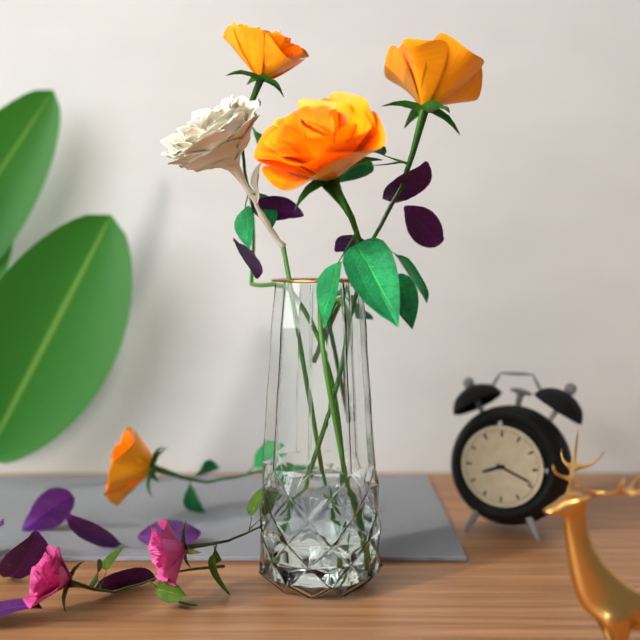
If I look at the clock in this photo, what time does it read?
8:19
